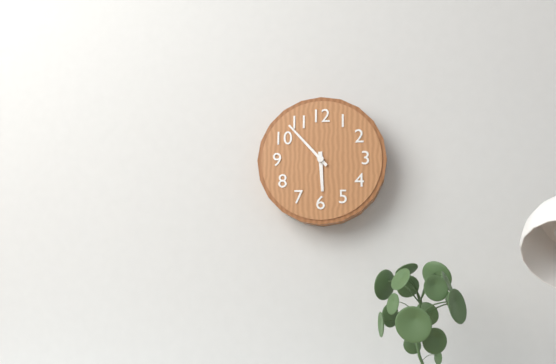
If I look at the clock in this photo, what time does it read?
5:53
